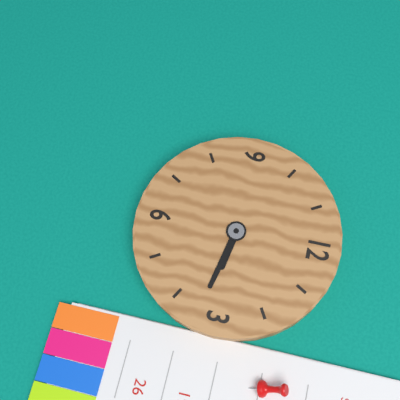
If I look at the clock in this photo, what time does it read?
3:17
